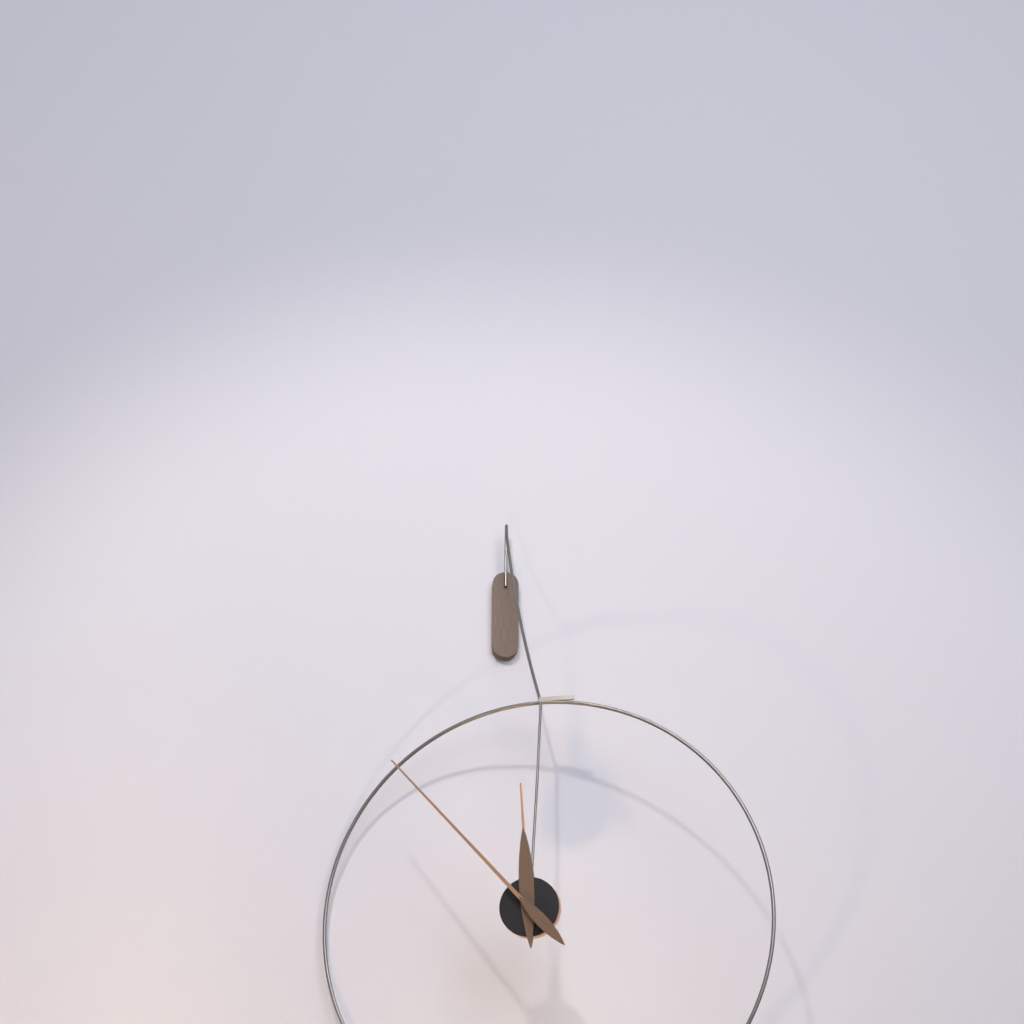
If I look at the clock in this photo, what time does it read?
11:53
